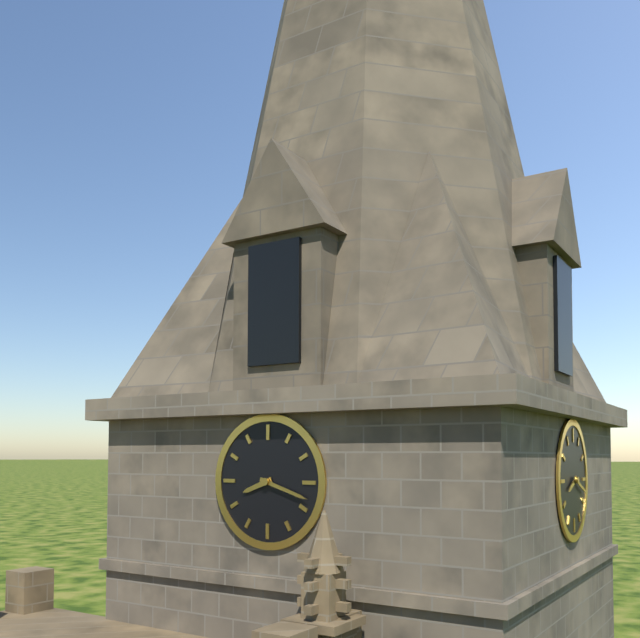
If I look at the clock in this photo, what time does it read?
8:18
